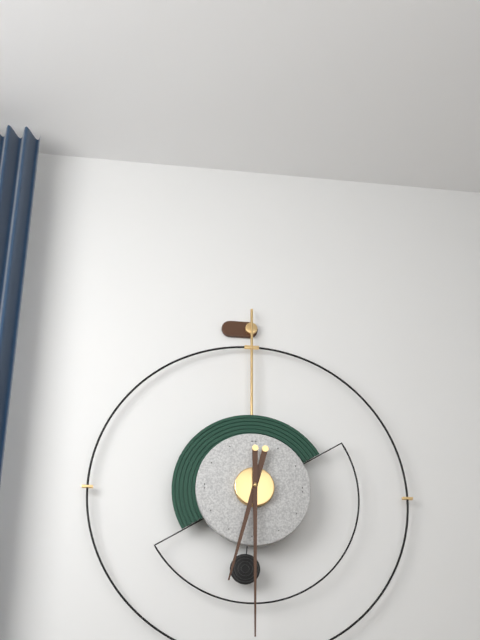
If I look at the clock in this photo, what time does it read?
6:30
